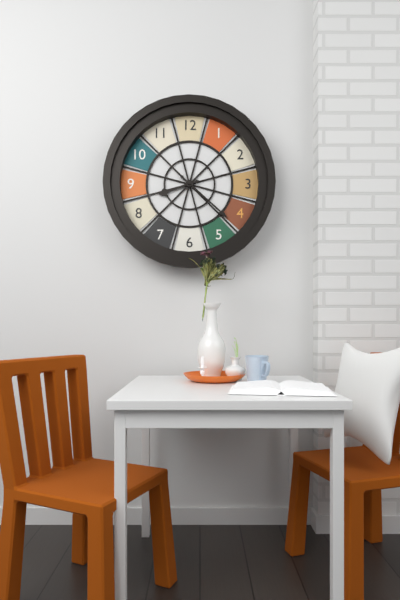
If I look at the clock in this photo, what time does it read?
8:22
